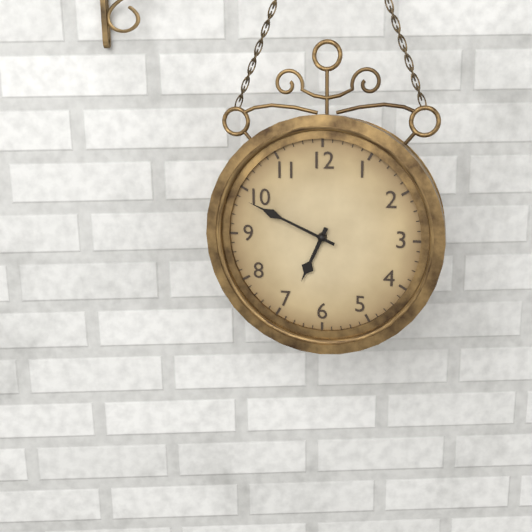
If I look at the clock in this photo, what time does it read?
6:49
